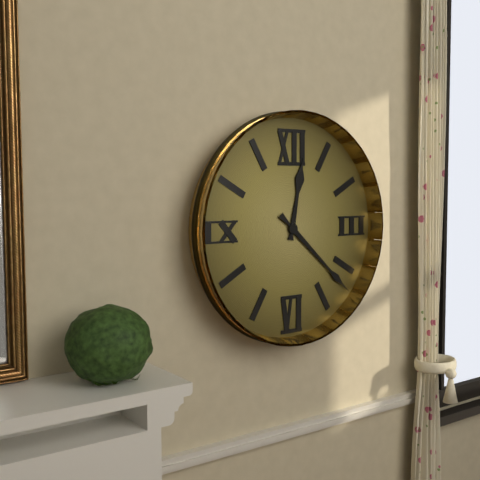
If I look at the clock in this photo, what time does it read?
12:22
